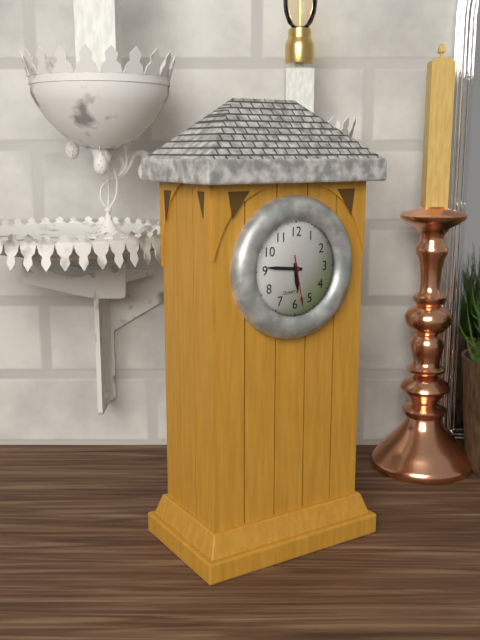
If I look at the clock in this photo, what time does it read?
5:46
